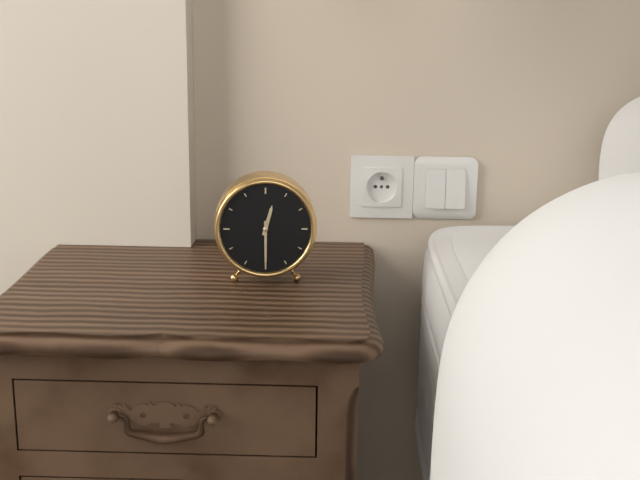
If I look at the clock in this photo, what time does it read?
12:30
